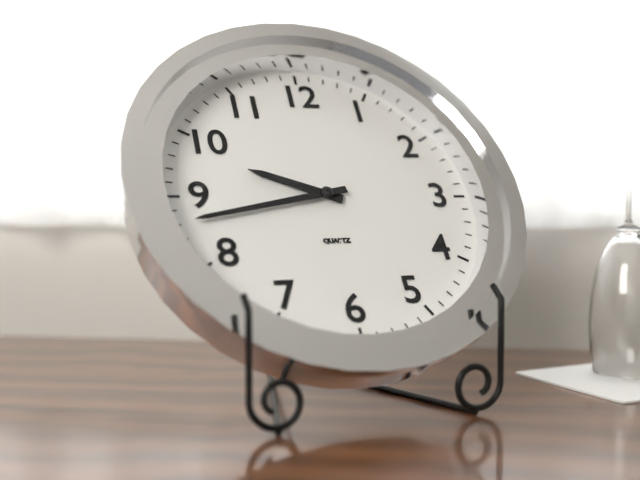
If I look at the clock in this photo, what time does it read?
9:43
